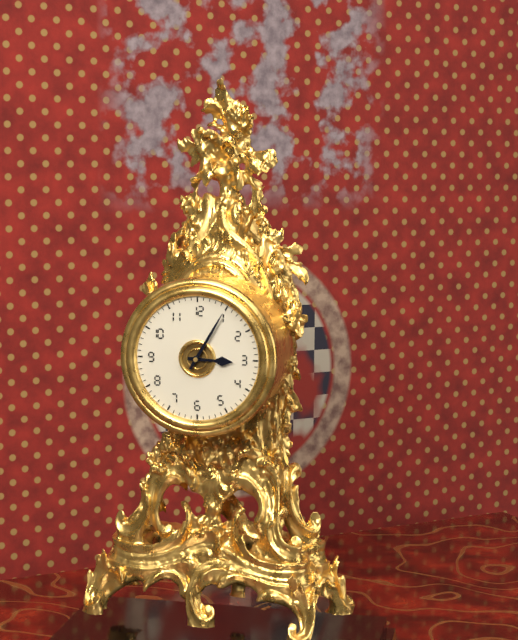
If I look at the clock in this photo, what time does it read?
3:05
